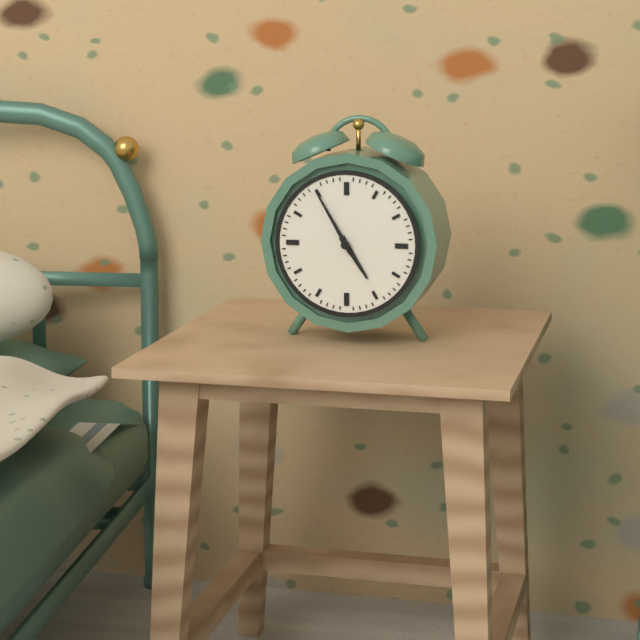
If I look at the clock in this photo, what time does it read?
4:55
